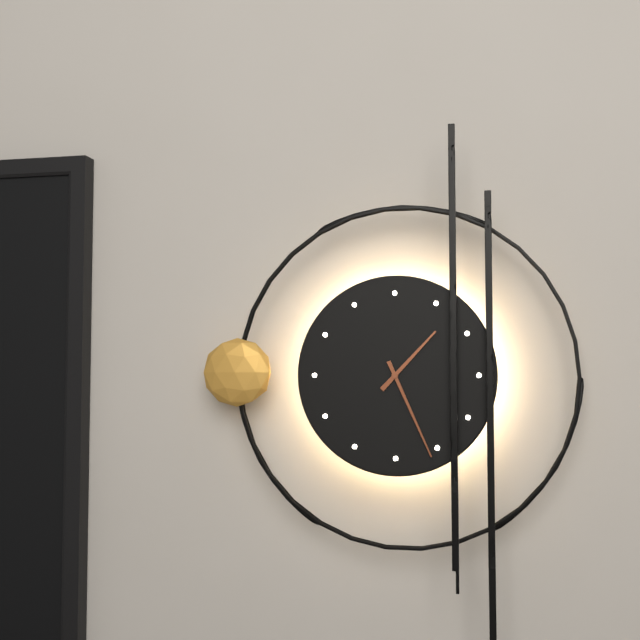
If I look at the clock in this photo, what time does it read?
1:26
